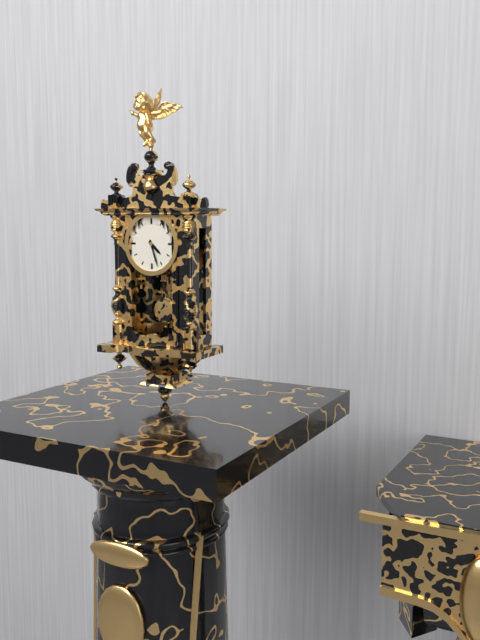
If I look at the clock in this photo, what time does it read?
4:27
